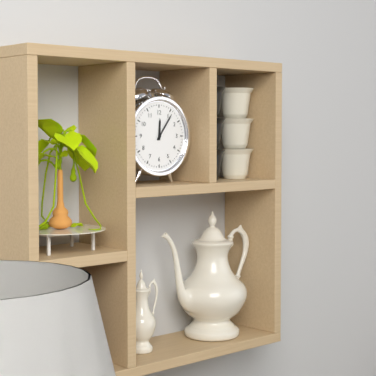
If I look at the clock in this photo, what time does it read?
12:06
